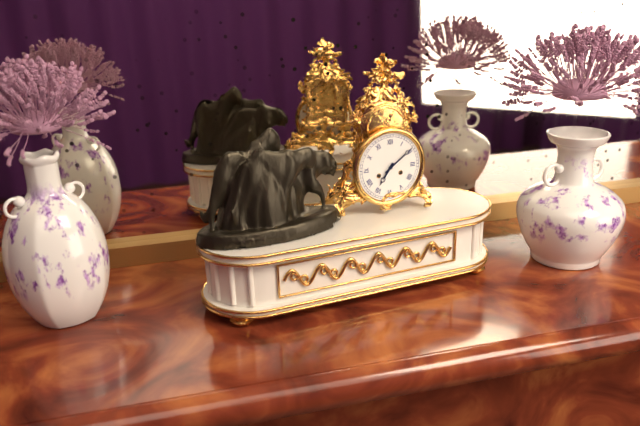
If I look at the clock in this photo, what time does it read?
7:09
